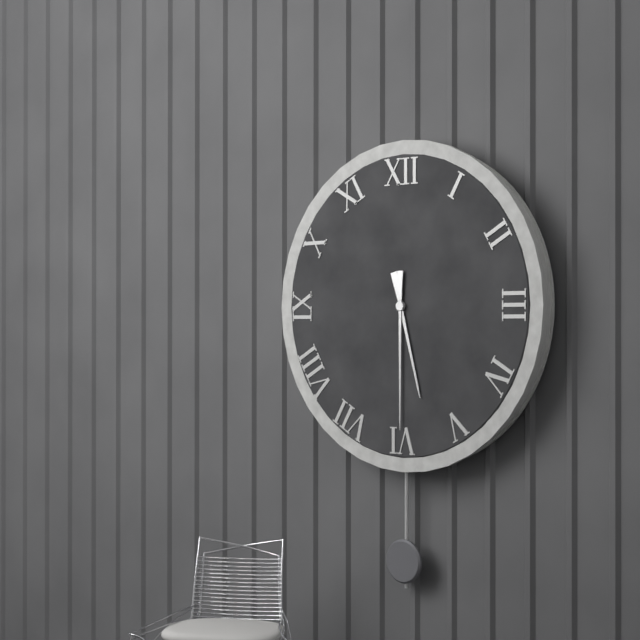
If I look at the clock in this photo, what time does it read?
5:30
